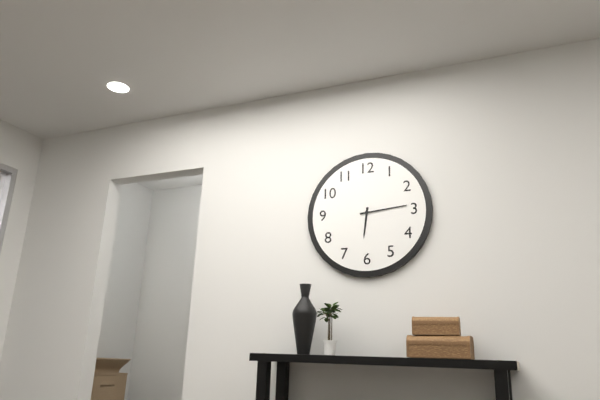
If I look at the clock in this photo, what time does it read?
6:14
